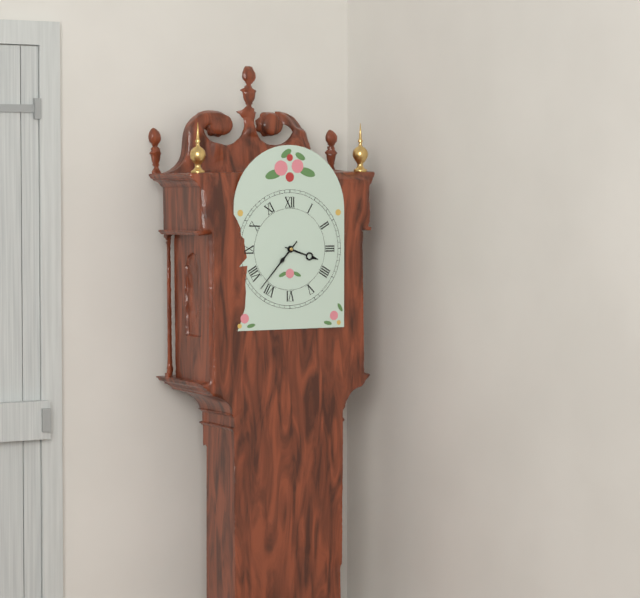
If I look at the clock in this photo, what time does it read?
3:37
